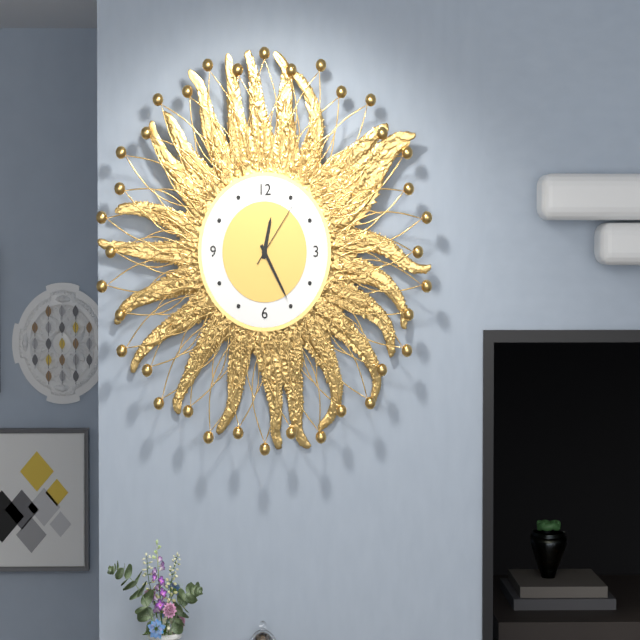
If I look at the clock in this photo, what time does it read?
12:25:06
